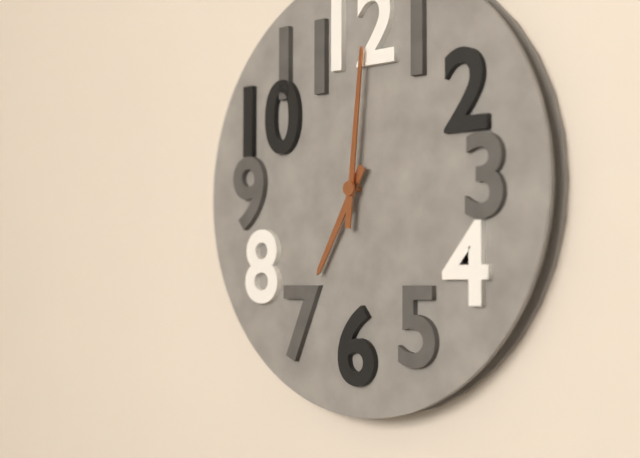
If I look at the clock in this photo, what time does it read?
7:01
